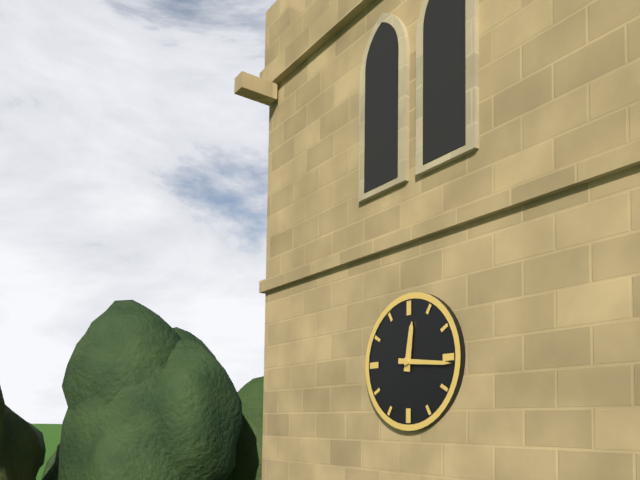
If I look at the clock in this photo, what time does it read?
12:16
